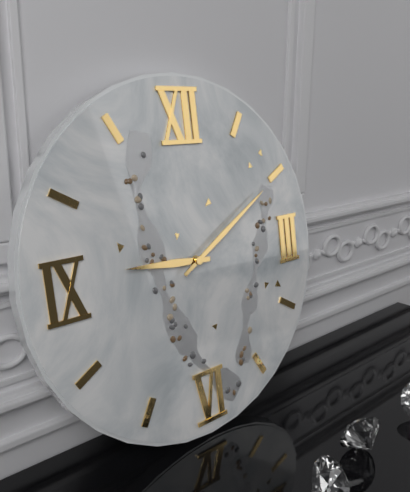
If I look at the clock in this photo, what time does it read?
9:10
